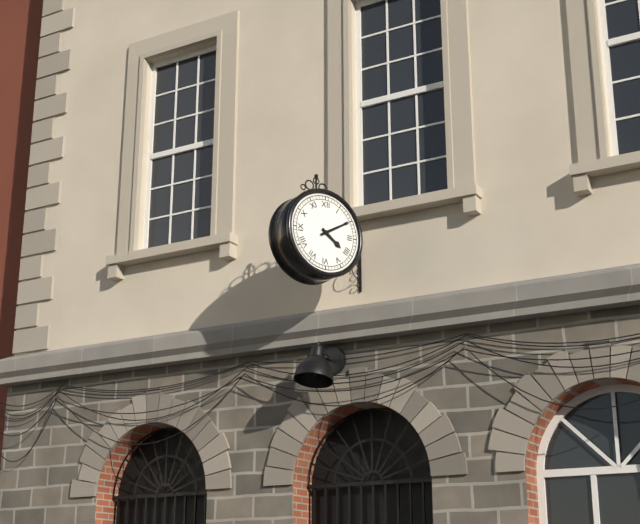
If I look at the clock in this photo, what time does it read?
4:10
